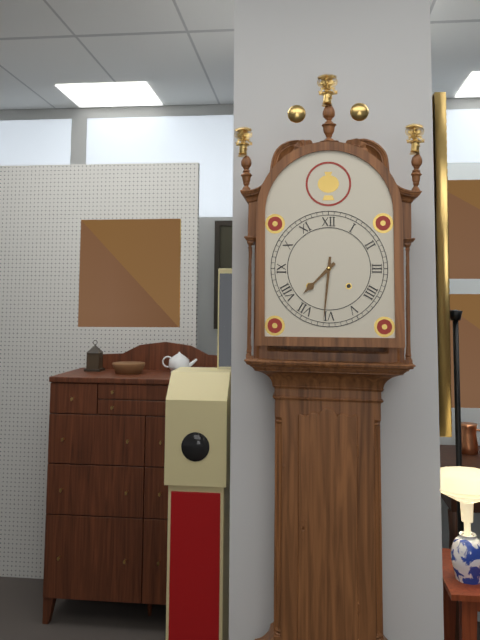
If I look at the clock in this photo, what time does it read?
7:31
